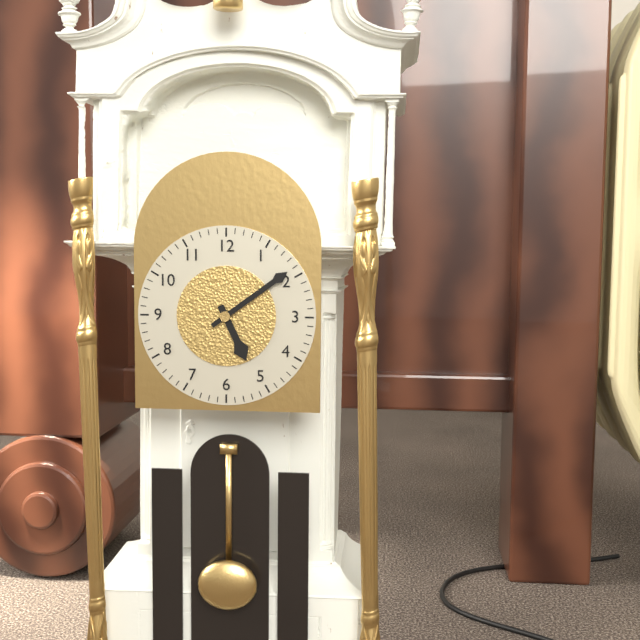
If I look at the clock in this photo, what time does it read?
5:09
